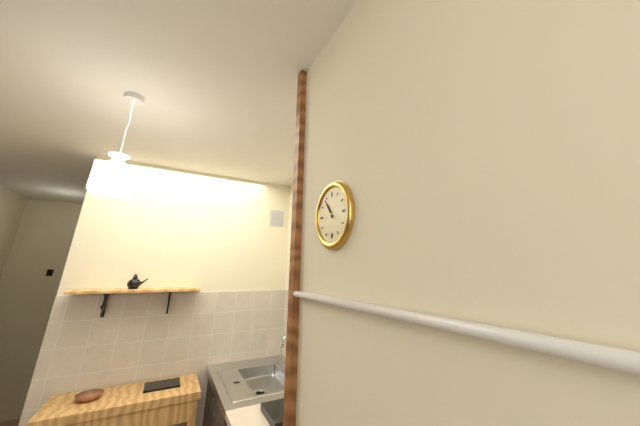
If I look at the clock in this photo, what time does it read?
10:54
